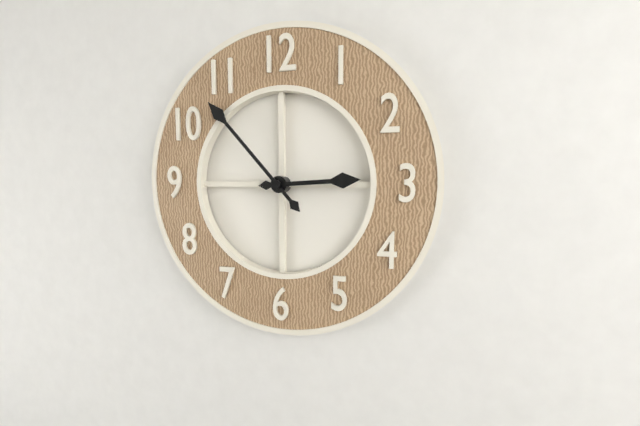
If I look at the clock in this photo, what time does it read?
2:53
